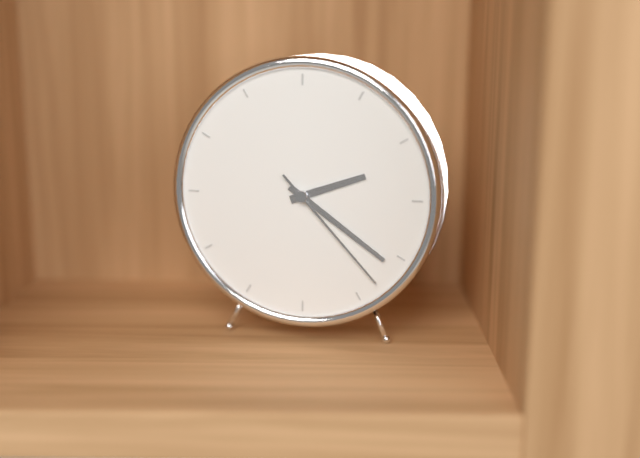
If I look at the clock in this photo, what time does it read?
2:21:23
